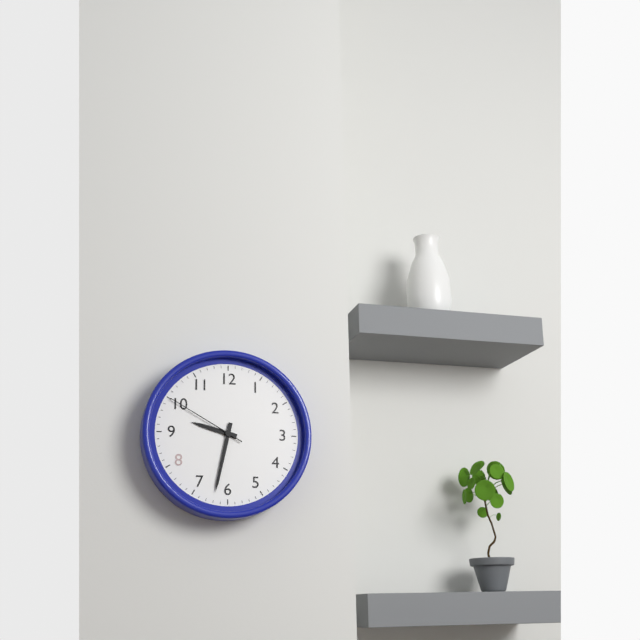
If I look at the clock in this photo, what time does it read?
9:32:50
